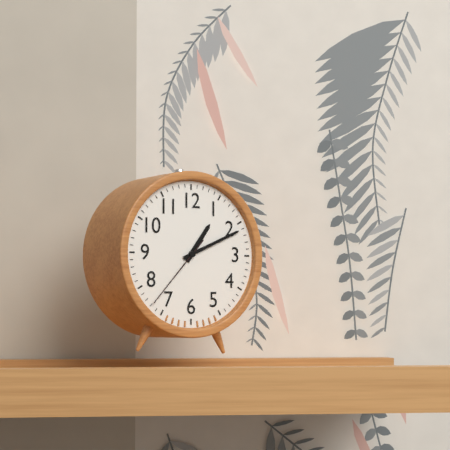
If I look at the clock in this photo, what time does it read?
1:11:37
